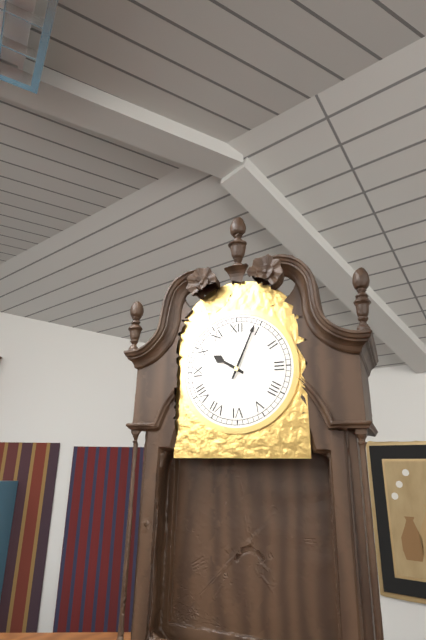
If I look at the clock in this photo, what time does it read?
10:04
